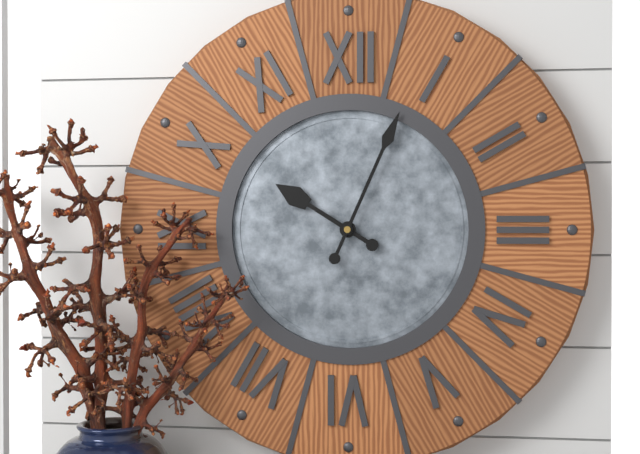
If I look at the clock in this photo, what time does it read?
10:04
